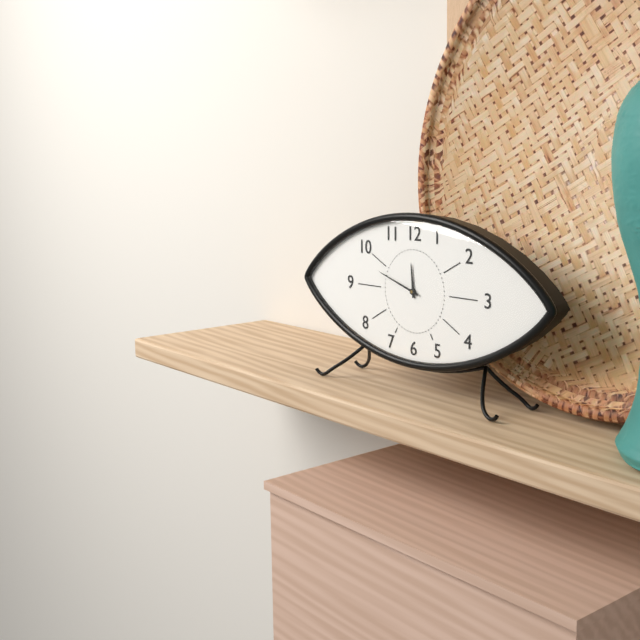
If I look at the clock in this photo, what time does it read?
11:48
